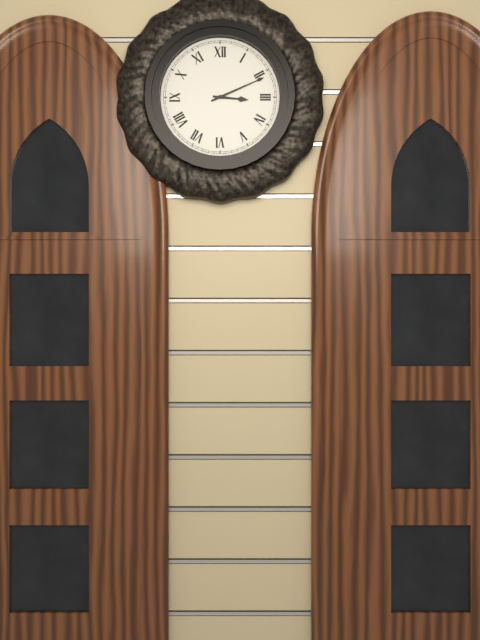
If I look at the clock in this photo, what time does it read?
3:11
